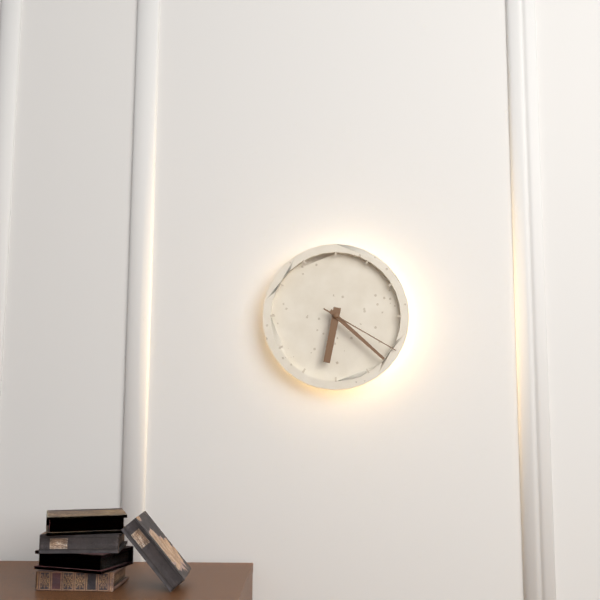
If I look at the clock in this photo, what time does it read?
6:22:20
